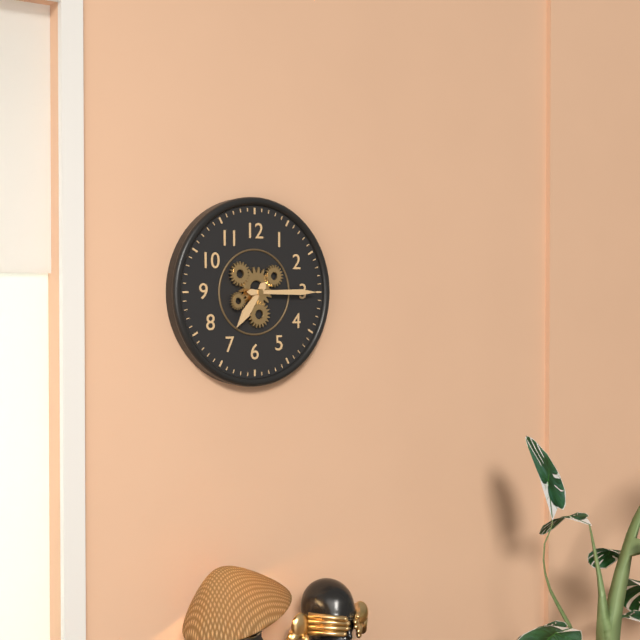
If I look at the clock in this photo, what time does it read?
7:15
